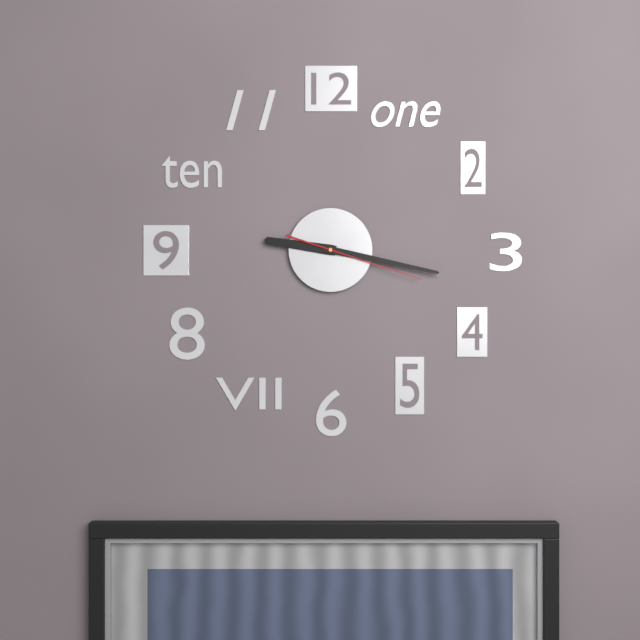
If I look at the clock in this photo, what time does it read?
9:17:18
